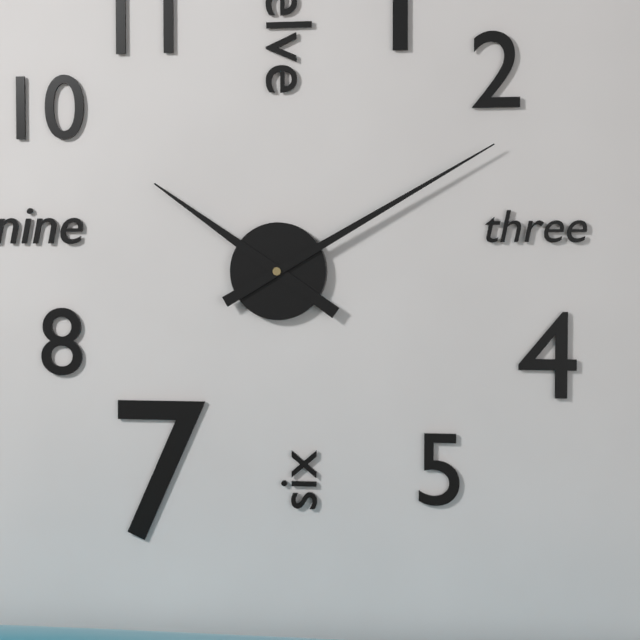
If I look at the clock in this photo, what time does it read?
10:10
